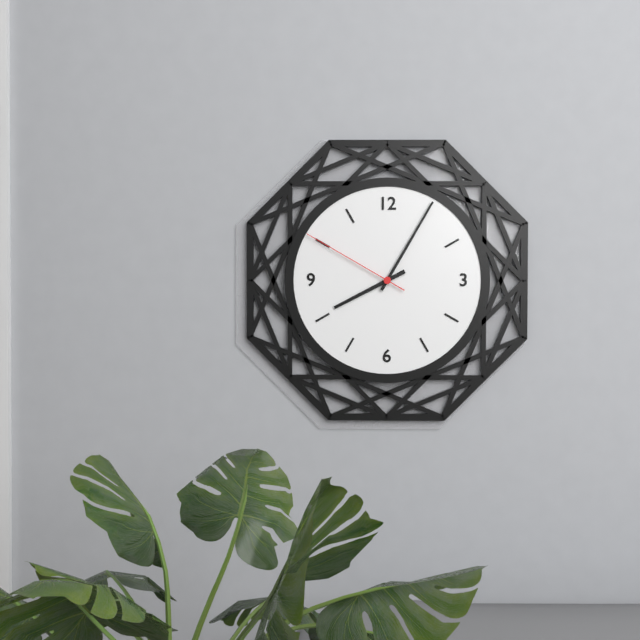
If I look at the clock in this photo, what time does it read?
8:05:50
